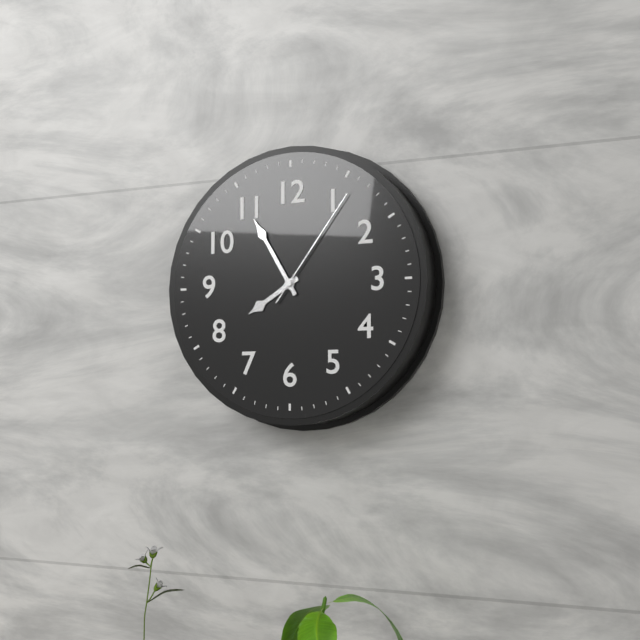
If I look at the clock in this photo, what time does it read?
7:55:06
